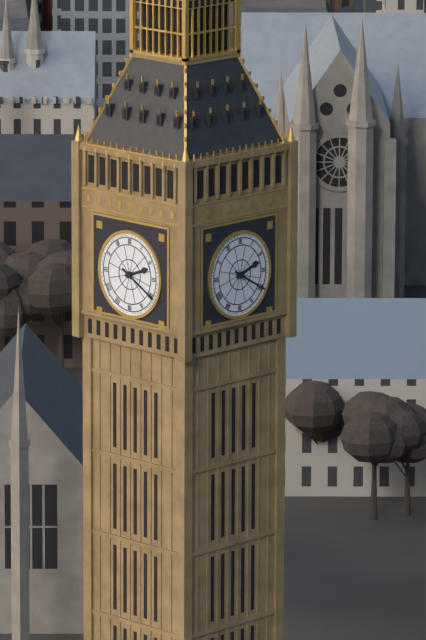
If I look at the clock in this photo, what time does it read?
2:20
